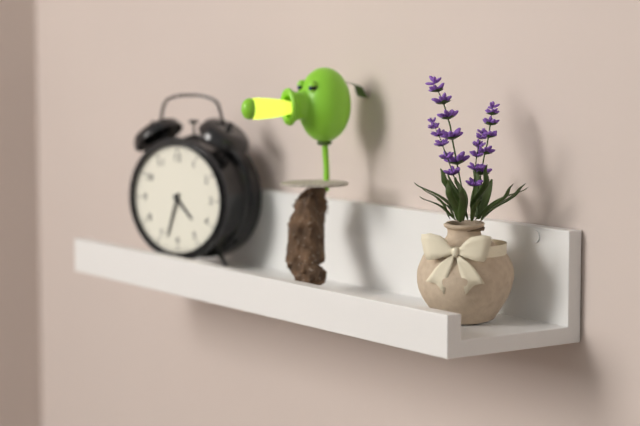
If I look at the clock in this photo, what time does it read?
4:33
